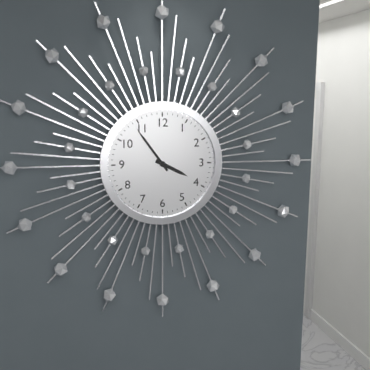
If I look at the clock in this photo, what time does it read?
3:54
